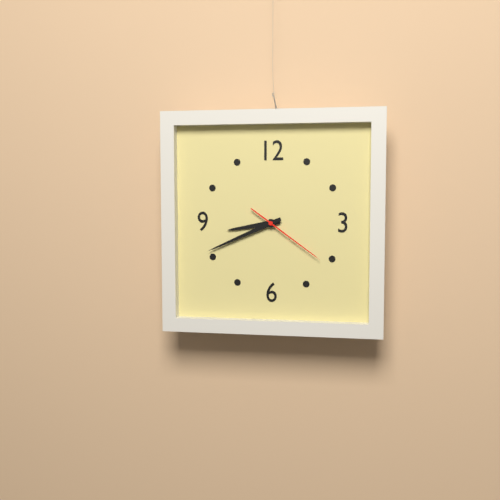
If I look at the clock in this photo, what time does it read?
8:41:21
